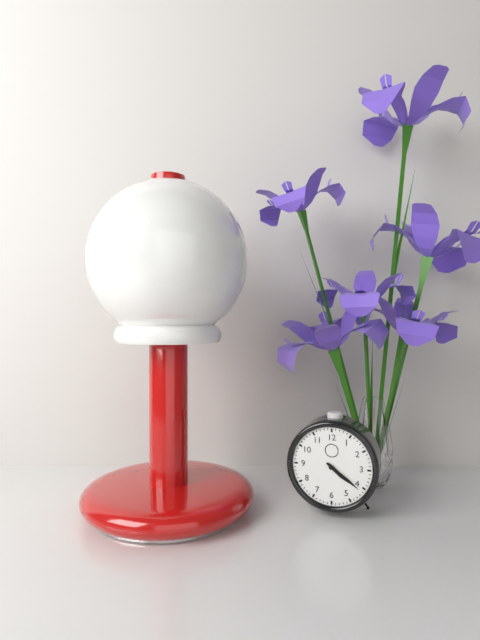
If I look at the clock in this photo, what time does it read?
4:21
